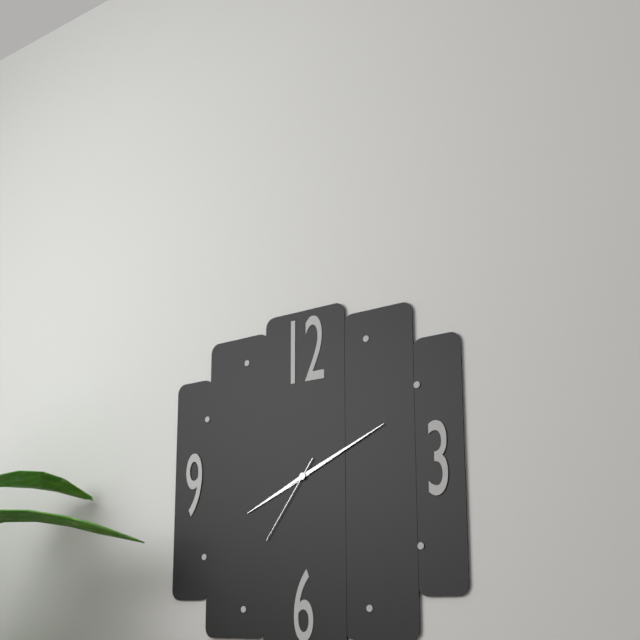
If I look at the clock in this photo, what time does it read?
8:11:36
